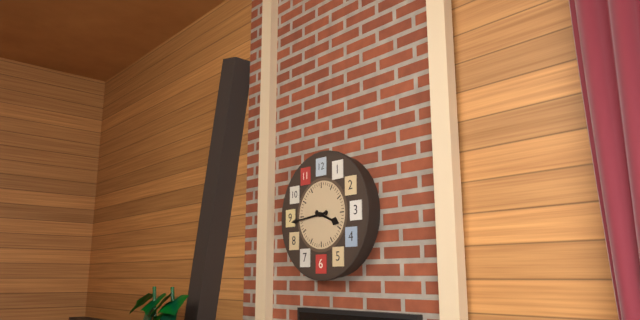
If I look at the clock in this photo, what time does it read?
3:44
